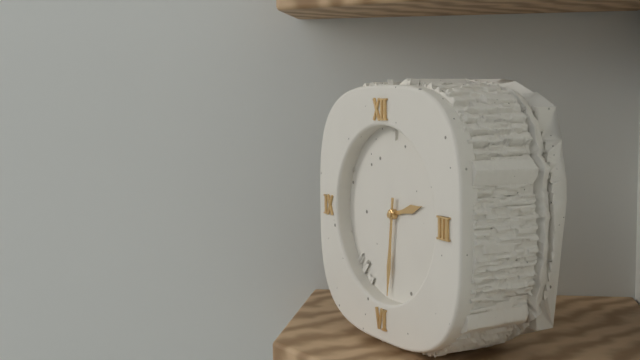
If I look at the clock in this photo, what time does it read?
2:31
